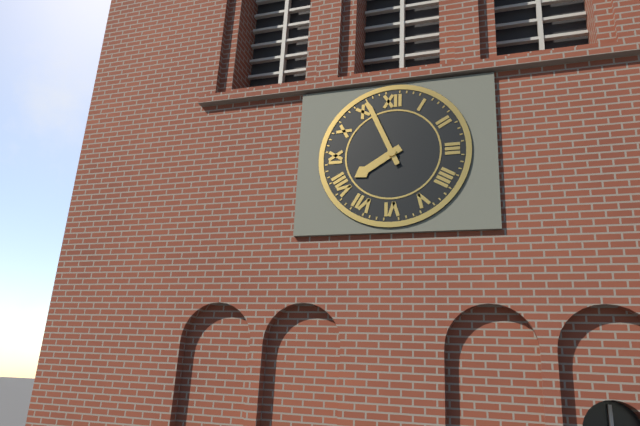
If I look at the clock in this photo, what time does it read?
7:56
